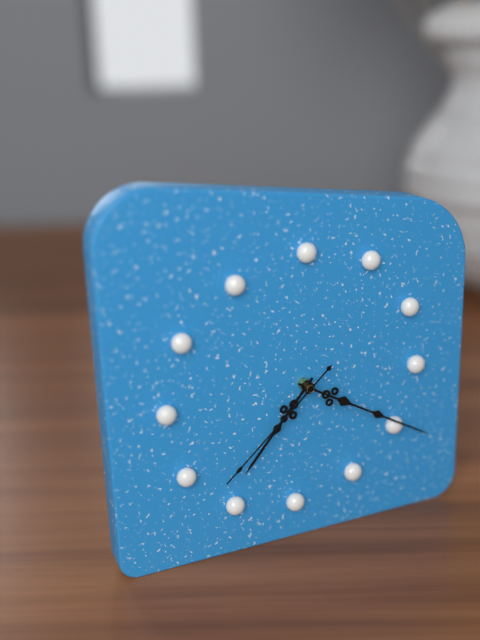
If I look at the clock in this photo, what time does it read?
7:20:38
